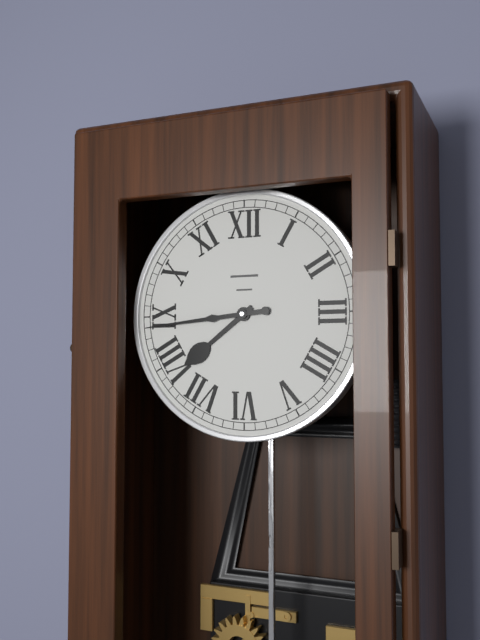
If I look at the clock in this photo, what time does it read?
7:44
